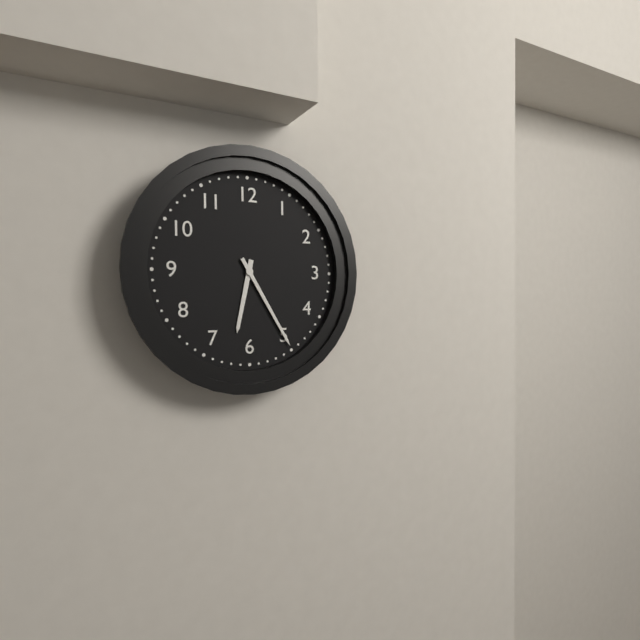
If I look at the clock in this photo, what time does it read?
6:25
